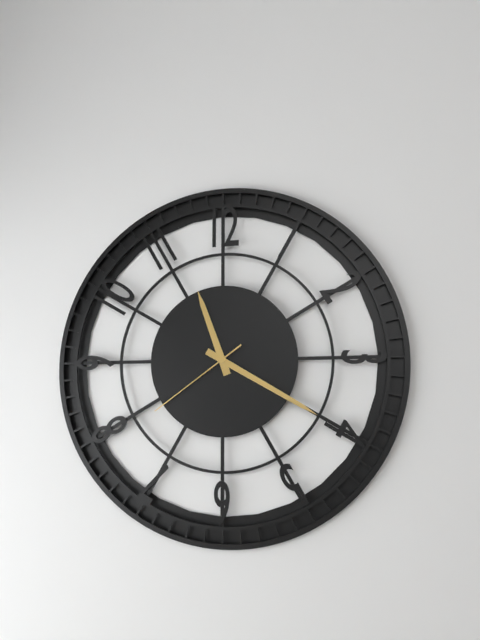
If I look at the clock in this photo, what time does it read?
11:20:39
